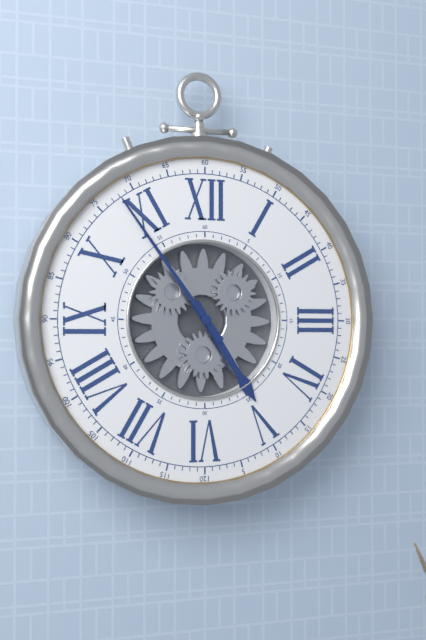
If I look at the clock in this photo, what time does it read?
4:54
